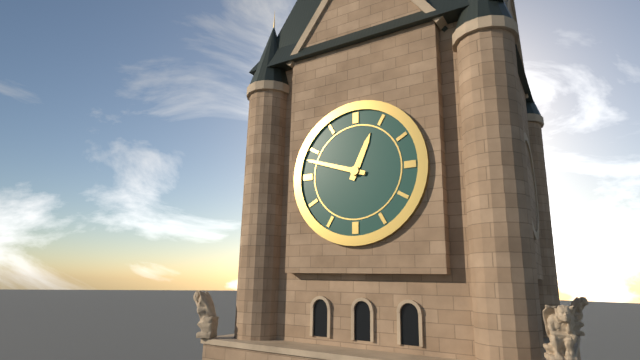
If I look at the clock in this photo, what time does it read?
12:48
